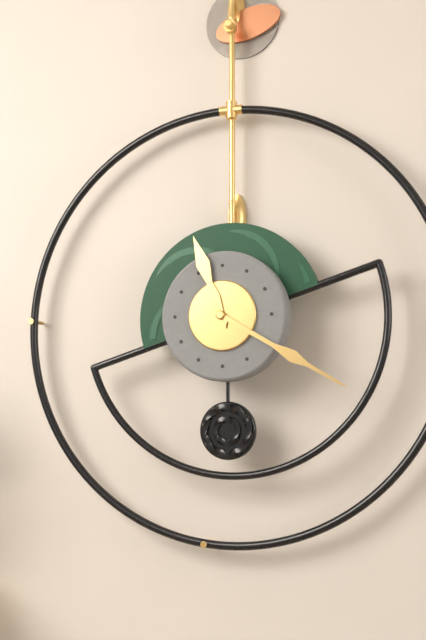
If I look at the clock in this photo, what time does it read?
11:20
